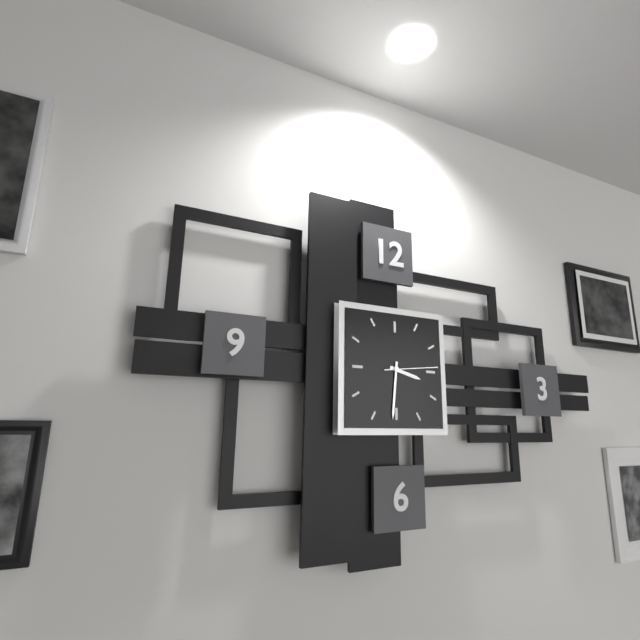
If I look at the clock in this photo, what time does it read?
3:31:14
